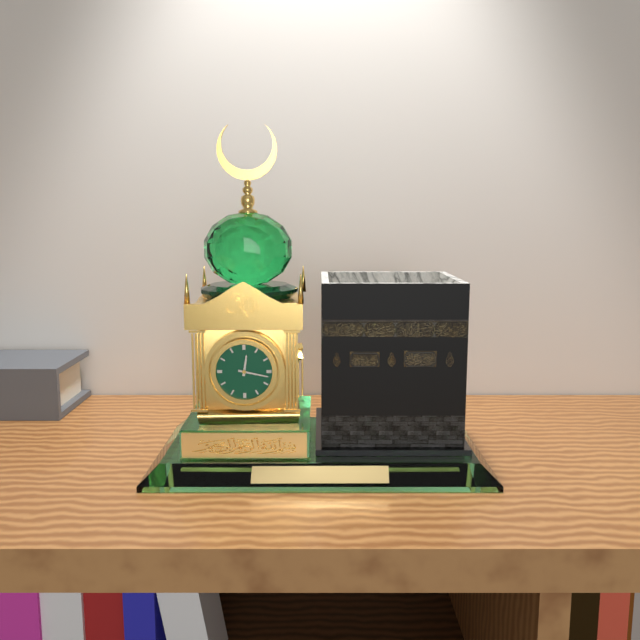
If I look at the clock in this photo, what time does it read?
12:17
